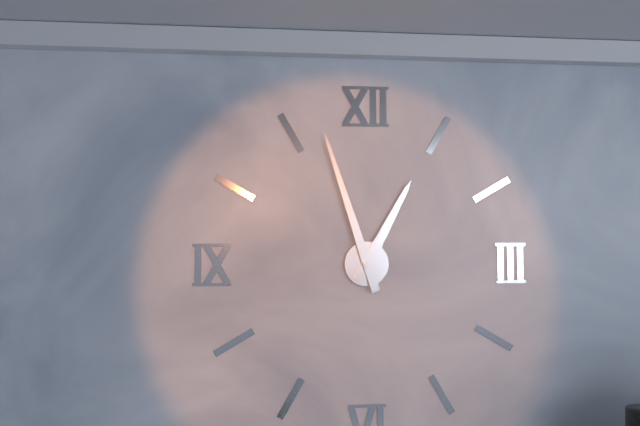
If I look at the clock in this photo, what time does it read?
12:57
